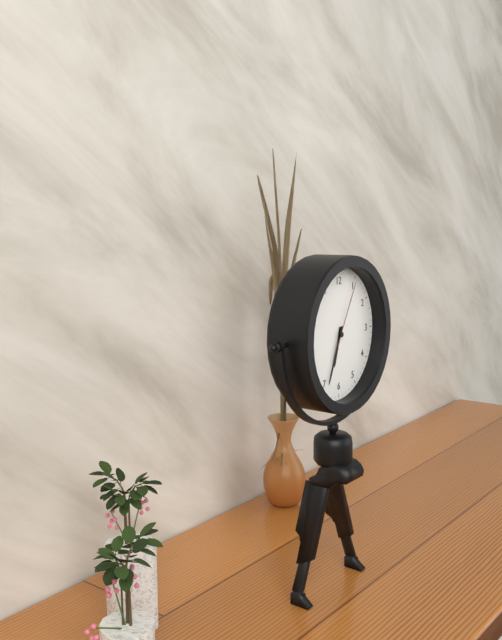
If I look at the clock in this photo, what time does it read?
6:34:05
